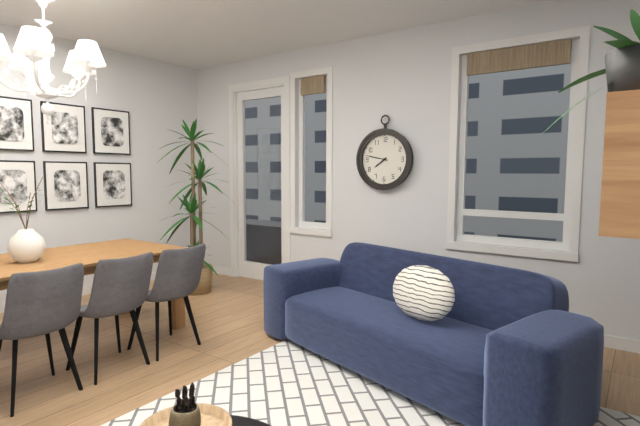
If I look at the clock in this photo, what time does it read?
7:47
